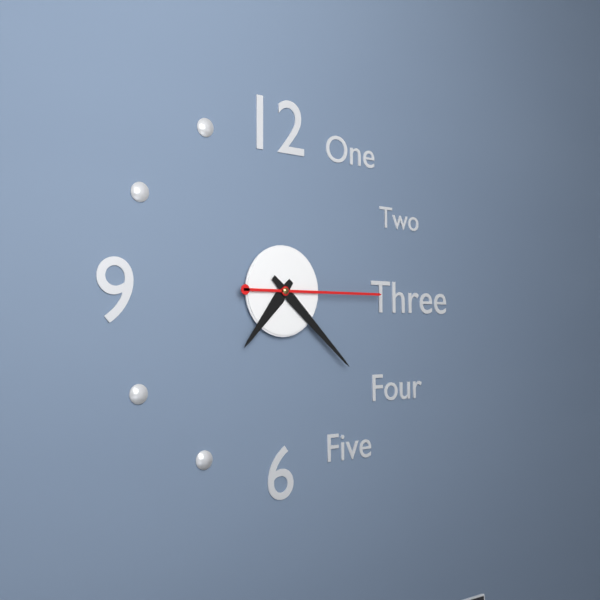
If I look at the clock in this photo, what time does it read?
7:22:15
